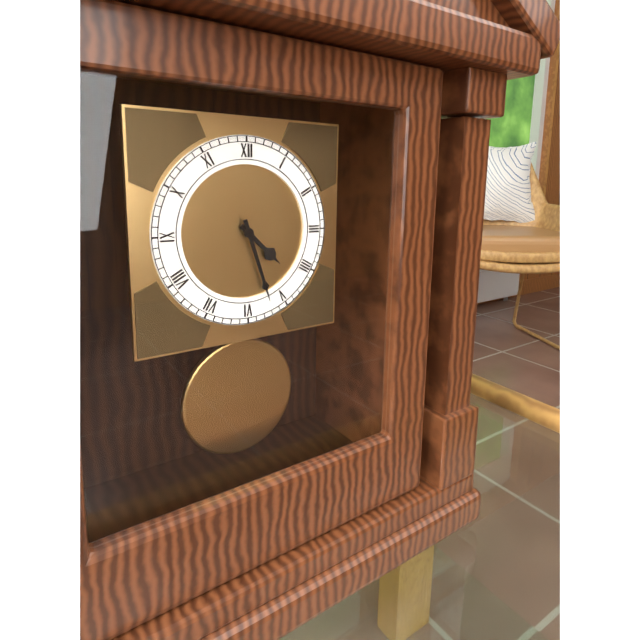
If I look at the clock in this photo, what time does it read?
4:27
